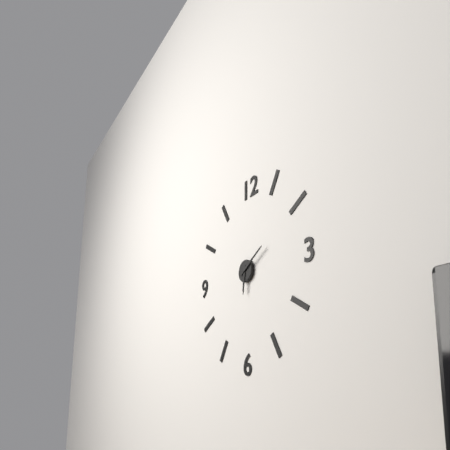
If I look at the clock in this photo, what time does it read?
6:10
